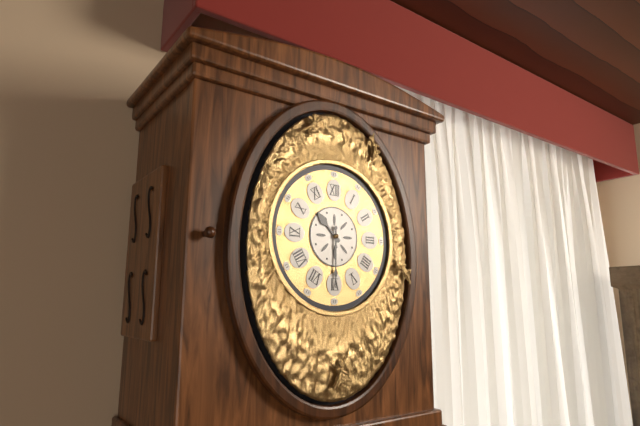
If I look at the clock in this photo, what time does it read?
10:30
